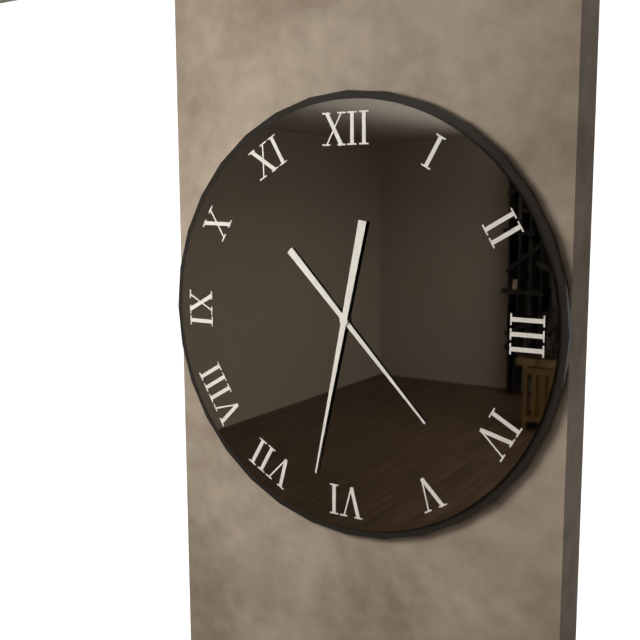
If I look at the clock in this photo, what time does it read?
4:32
